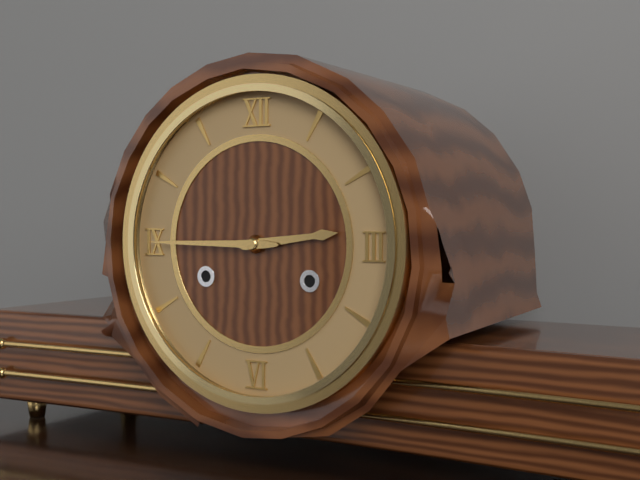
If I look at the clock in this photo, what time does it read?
2:45
